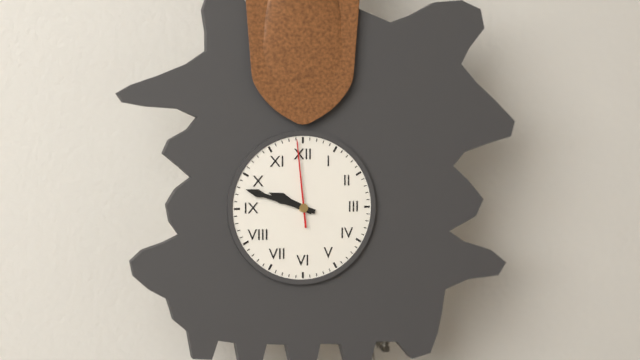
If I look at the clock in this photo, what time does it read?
9:48:59
